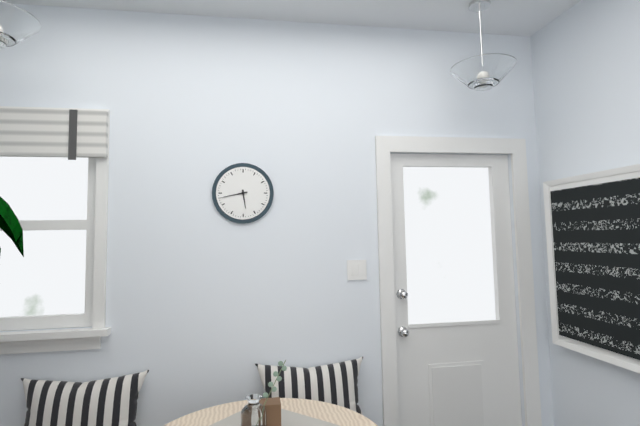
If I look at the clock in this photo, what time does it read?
5:43
